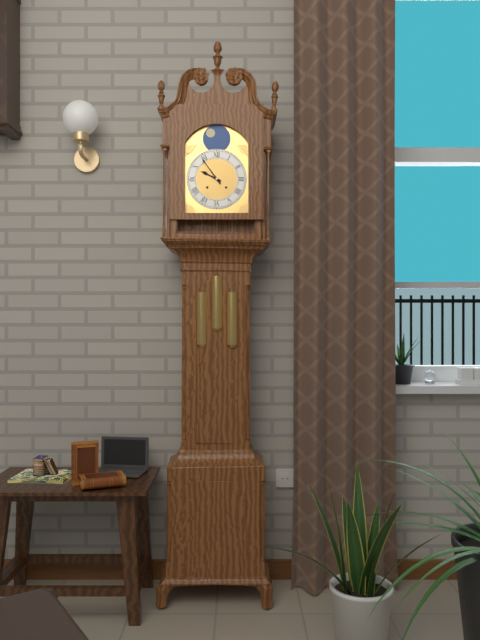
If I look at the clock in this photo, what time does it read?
9:54
